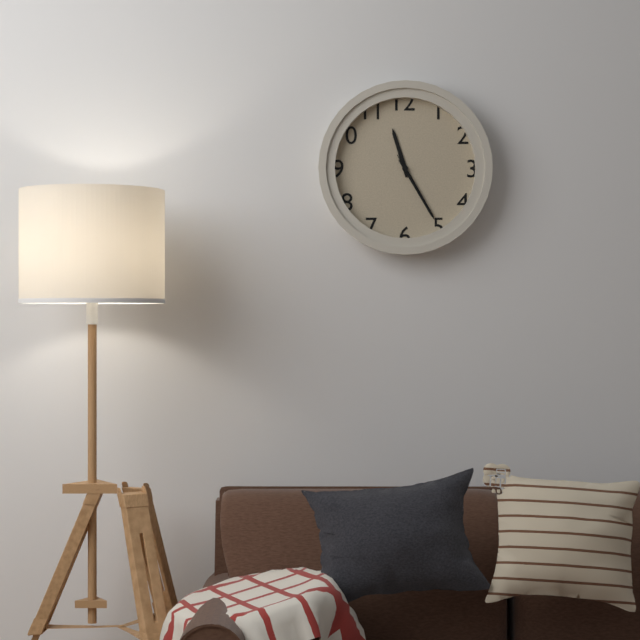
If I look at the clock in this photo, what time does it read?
11:25:25
